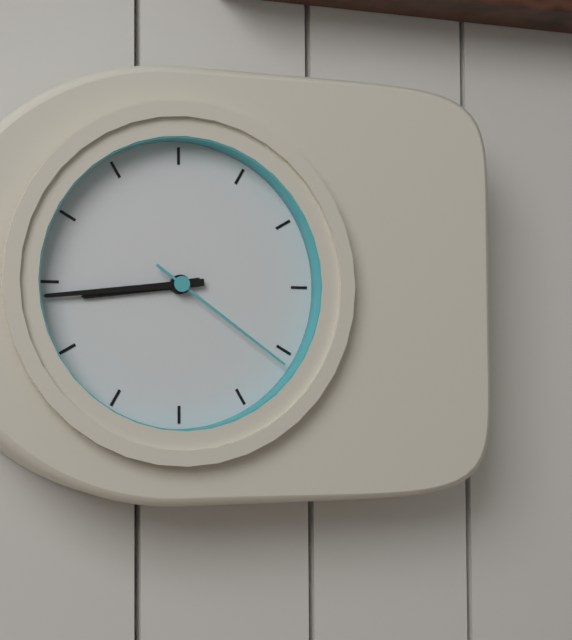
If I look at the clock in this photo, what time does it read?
8:44:21
